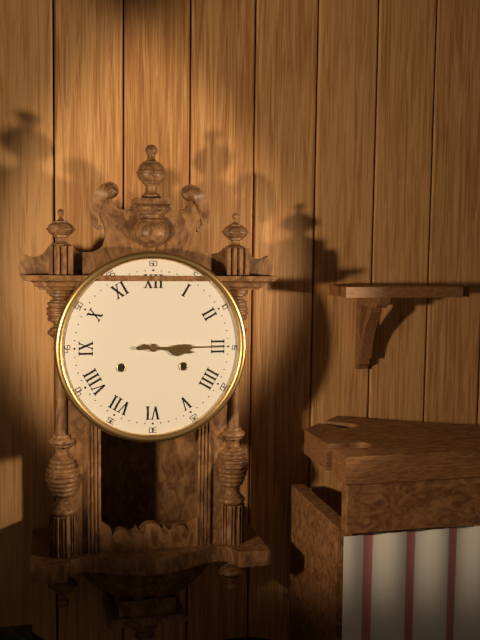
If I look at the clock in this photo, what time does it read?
3:15
